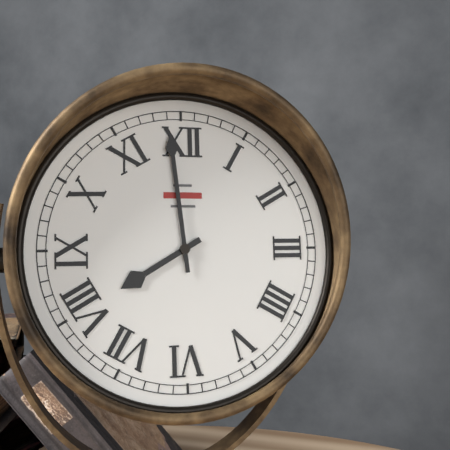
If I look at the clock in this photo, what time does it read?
7:59
